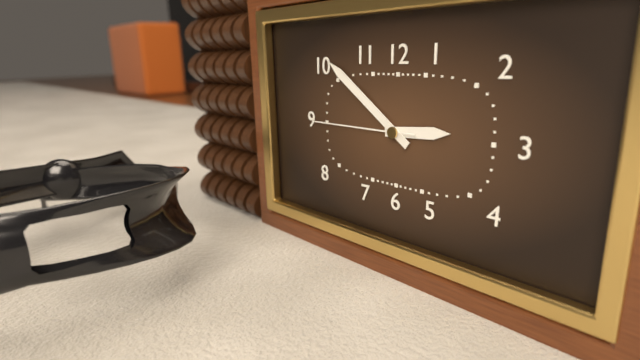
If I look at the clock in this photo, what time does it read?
2:51:45
